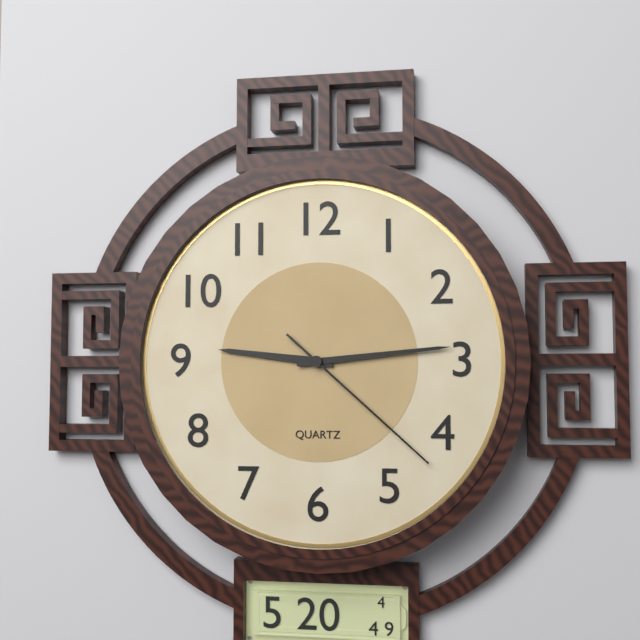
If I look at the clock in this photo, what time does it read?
9:14:22
